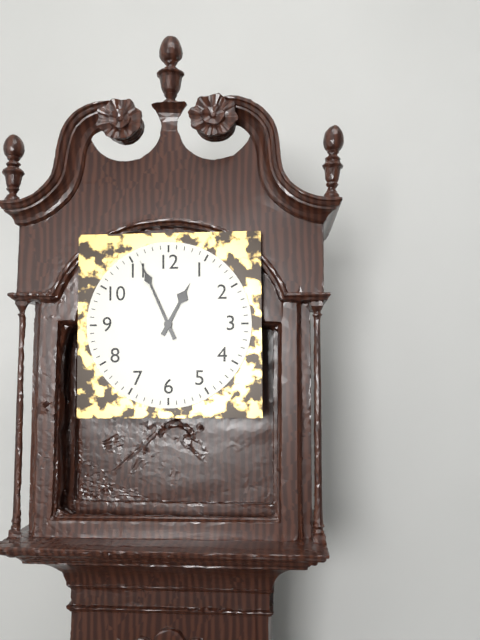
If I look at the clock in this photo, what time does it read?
12:56
